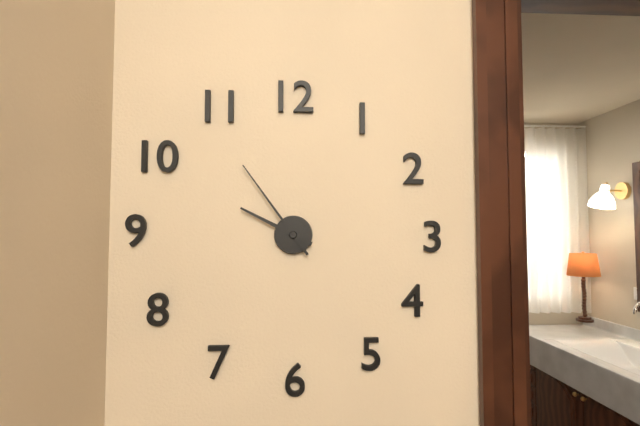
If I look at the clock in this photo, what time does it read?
9:54
